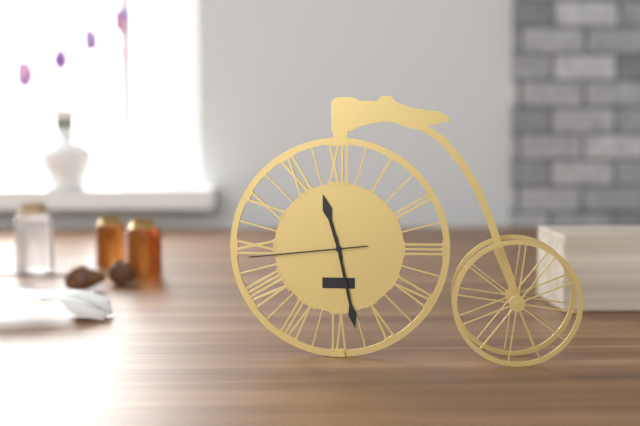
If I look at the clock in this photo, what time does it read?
11:28:44
